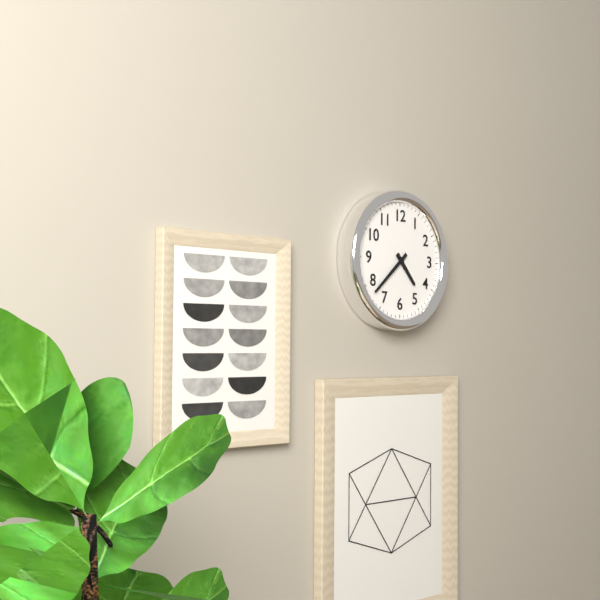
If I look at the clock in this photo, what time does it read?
4:38
